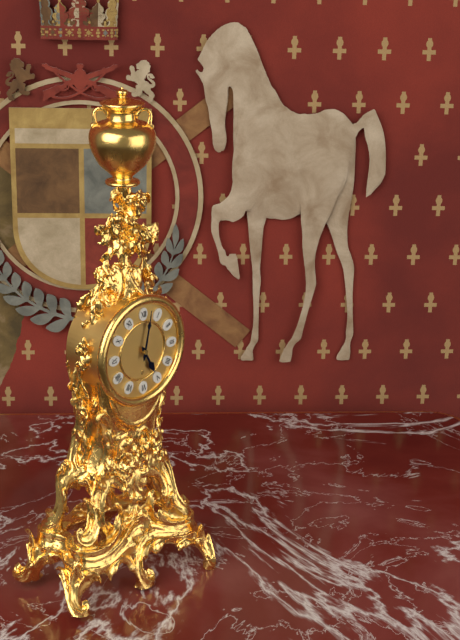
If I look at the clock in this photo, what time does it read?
5:02
